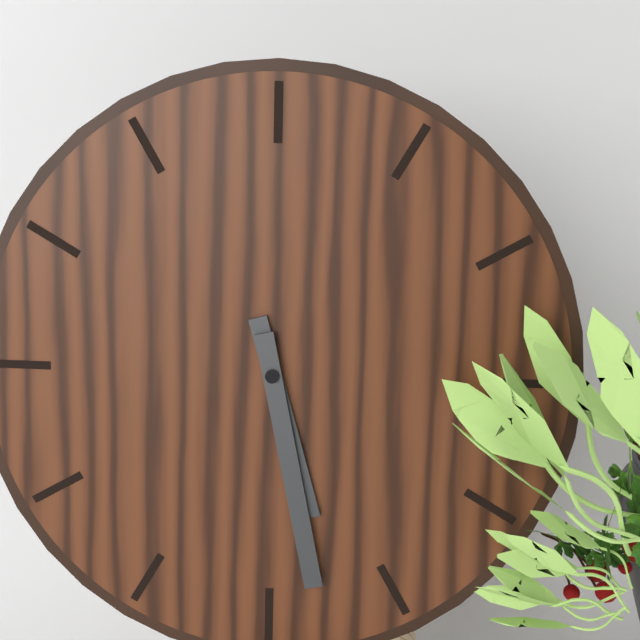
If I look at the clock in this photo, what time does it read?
5:28
